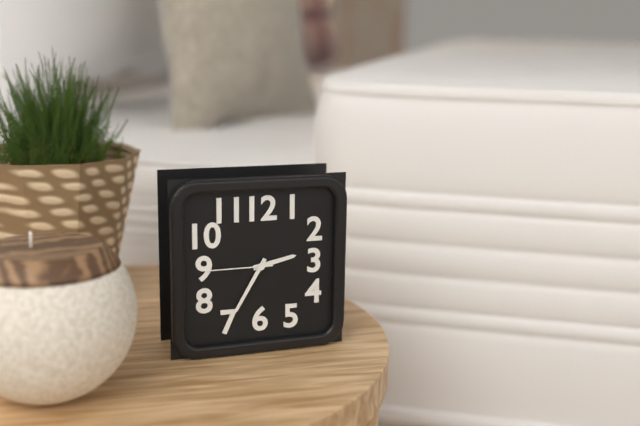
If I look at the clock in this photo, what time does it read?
2:35:45
